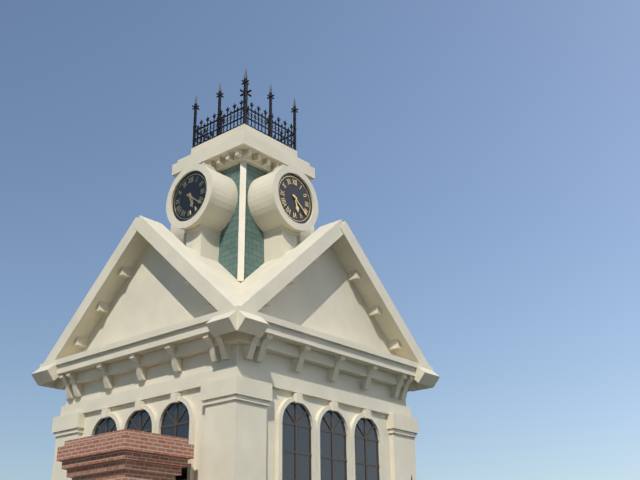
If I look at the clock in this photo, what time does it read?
5:21
